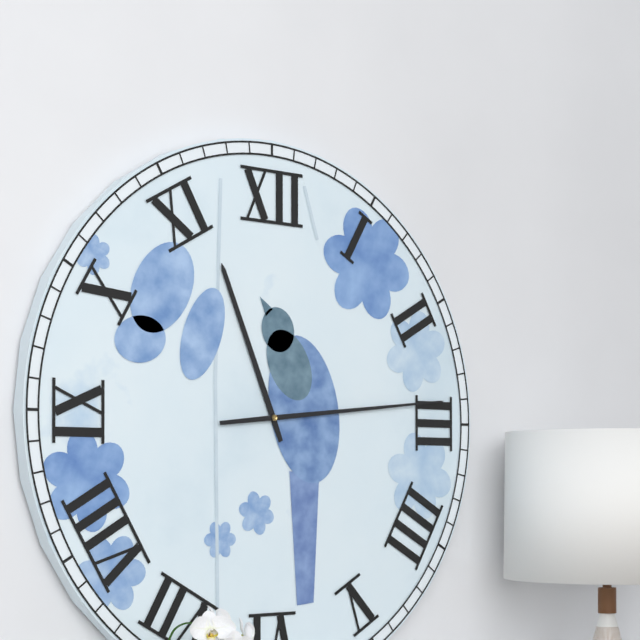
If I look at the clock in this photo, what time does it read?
11:14
